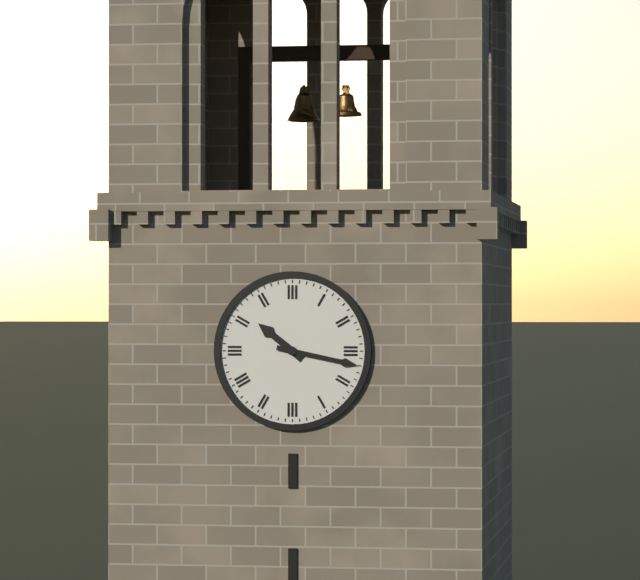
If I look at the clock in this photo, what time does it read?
10:17
